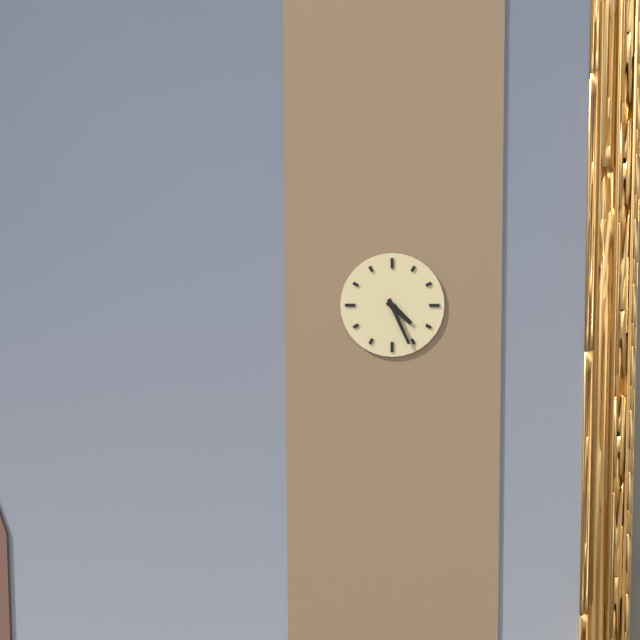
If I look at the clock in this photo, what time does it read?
4:26
